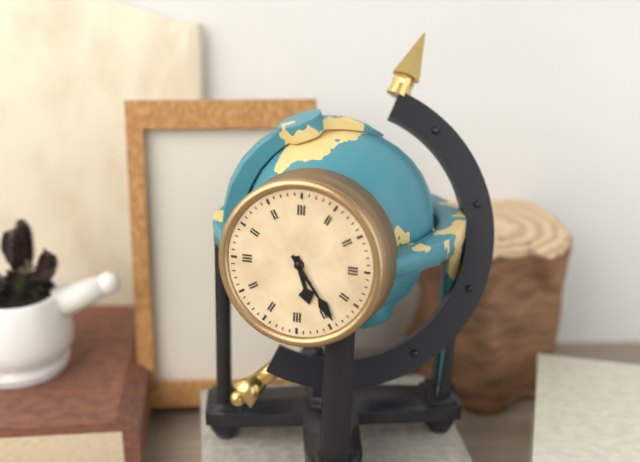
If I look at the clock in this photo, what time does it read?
5:24
